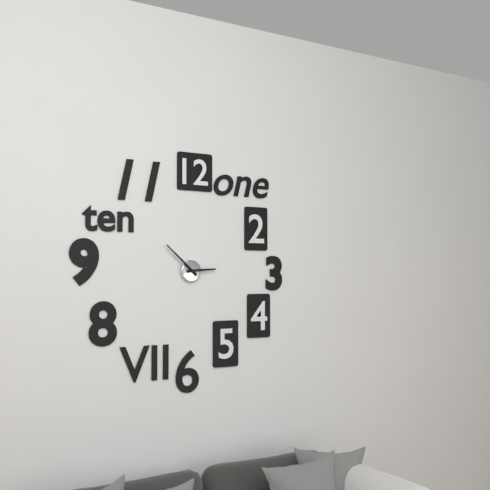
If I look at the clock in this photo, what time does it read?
2:52
